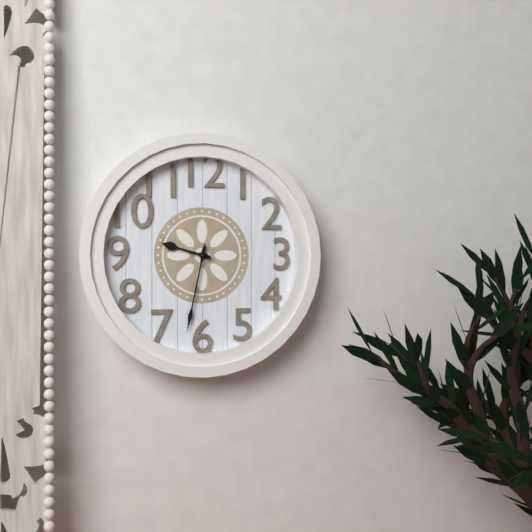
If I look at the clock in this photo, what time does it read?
9:32
